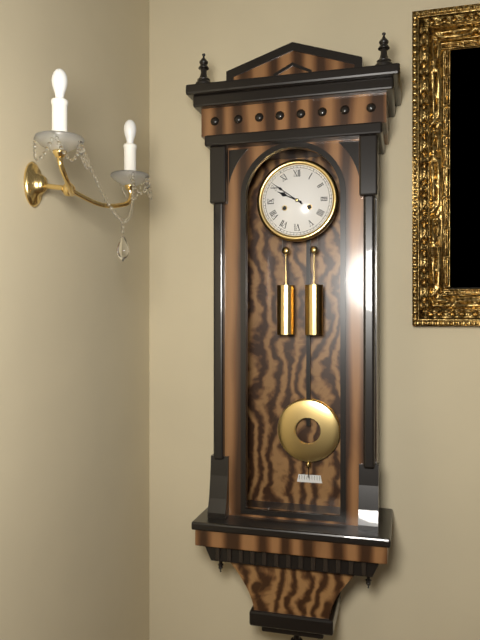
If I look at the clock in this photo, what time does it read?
9:51
